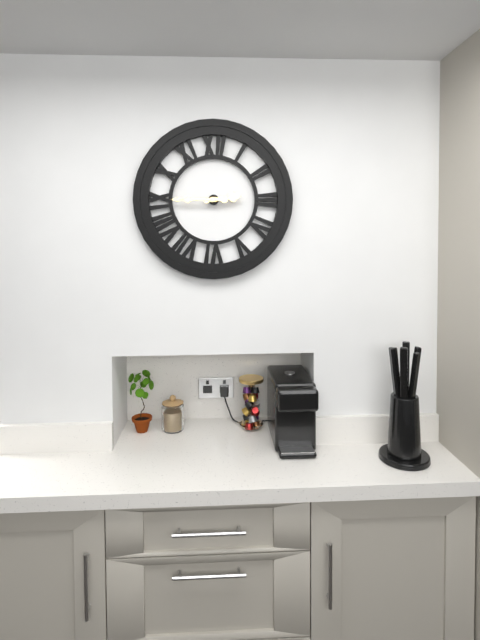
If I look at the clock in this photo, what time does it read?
2:45
